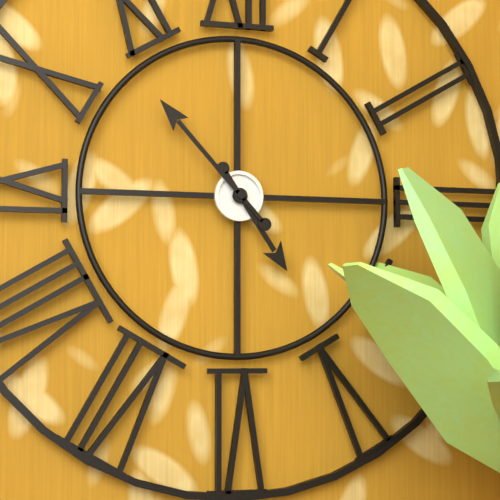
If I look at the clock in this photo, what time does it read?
4:53
